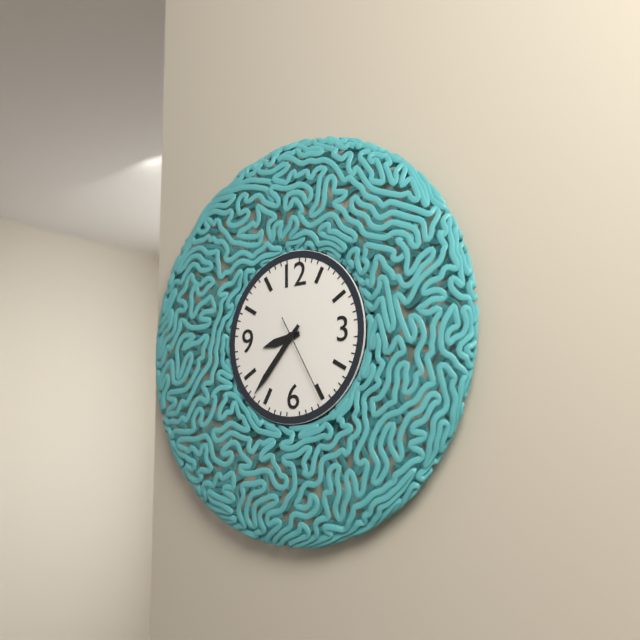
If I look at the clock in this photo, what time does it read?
8:37:25
